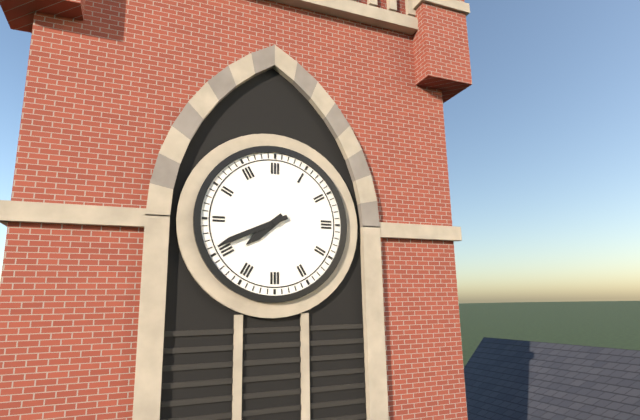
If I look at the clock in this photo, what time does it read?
7:41
